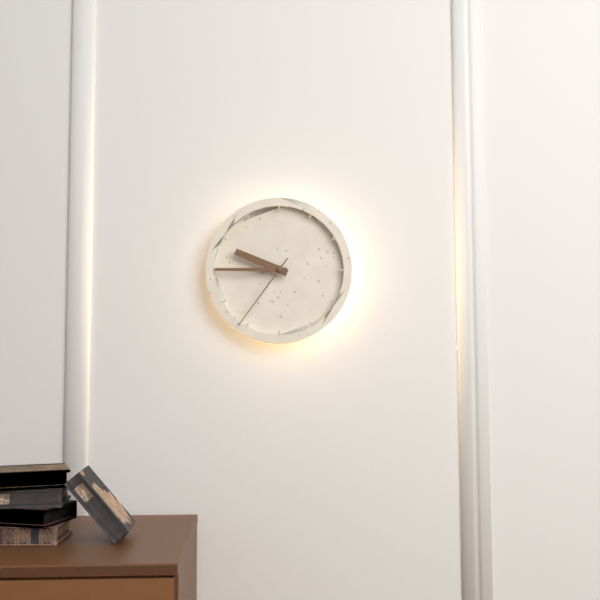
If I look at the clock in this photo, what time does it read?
9:45:36
